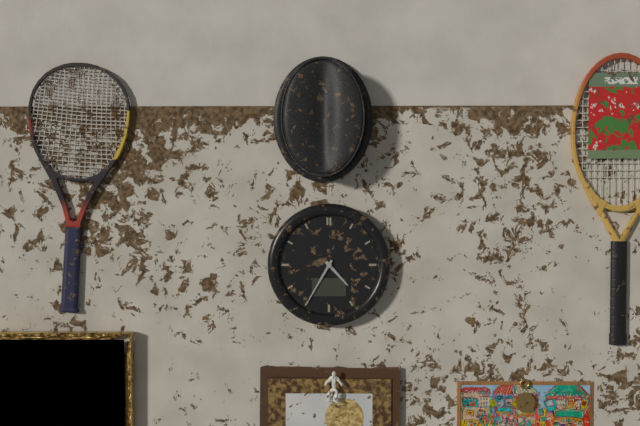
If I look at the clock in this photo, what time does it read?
4:35
